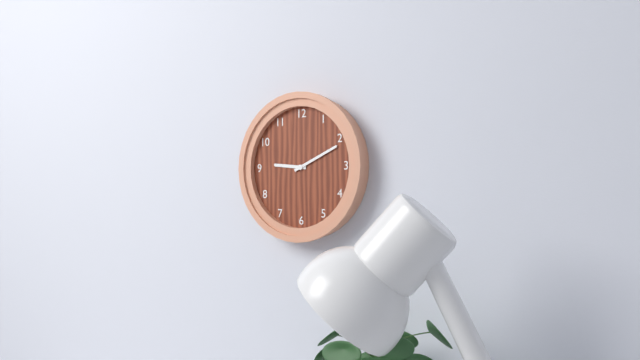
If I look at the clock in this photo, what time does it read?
9:11
